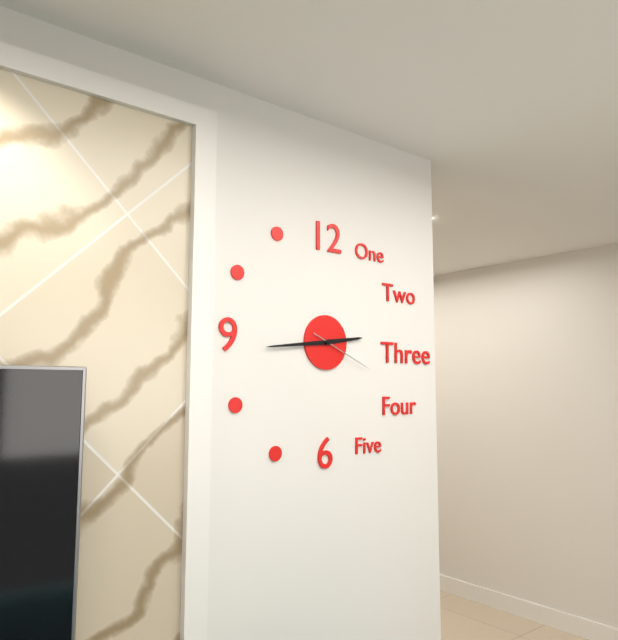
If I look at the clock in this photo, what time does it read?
2:44:19
